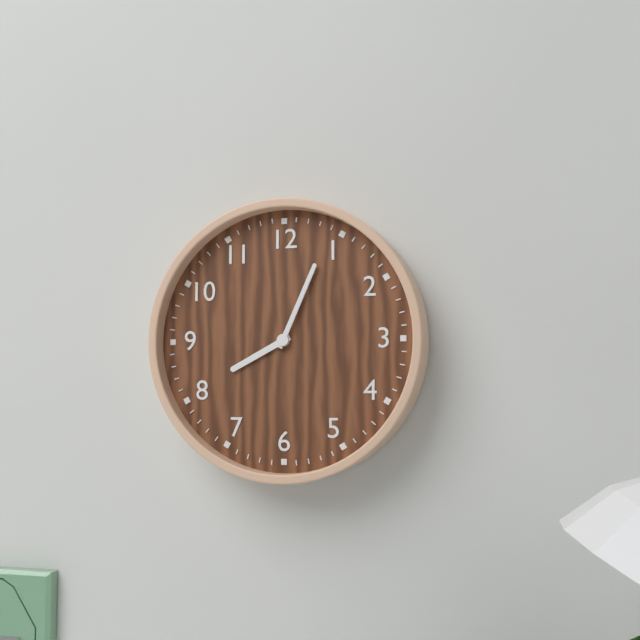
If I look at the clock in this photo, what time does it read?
8:04
